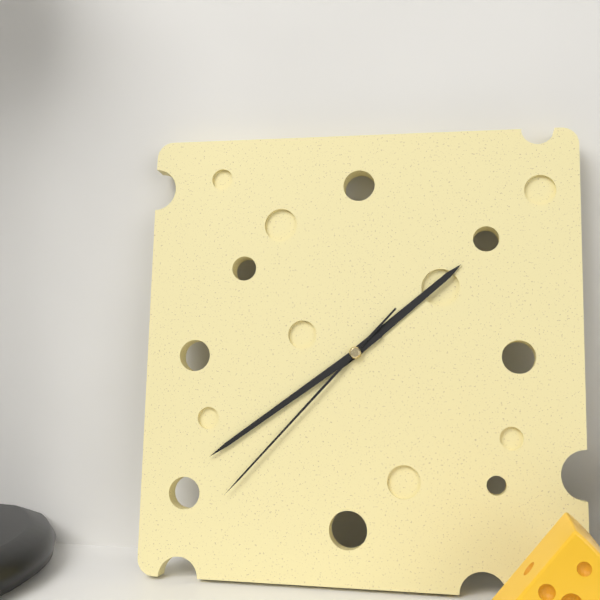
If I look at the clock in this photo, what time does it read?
1:39:37
